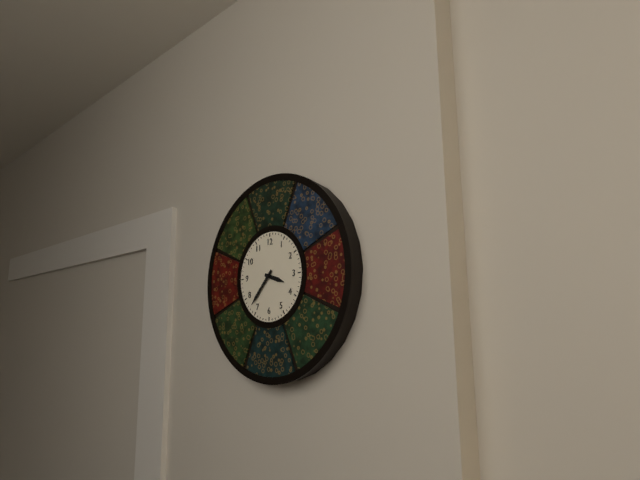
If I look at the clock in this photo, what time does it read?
3:37
